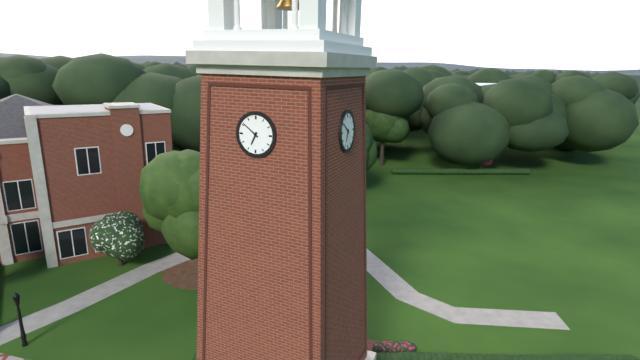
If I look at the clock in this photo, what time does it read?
6:51
